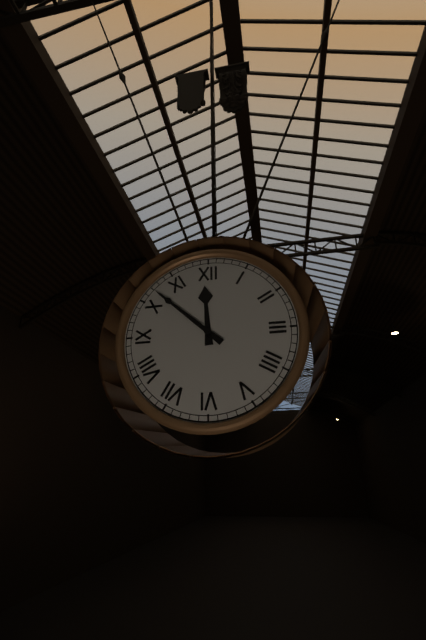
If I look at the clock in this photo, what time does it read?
11:52
